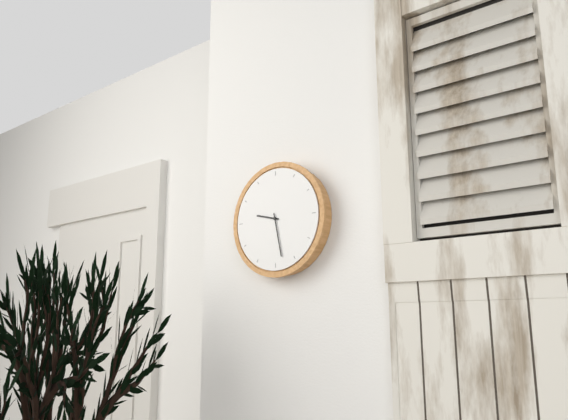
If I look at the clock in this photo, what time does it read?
9:28
